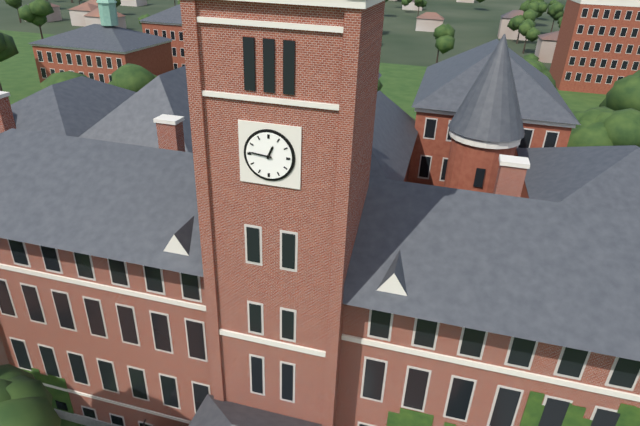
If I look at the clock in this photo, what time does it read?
12:46
